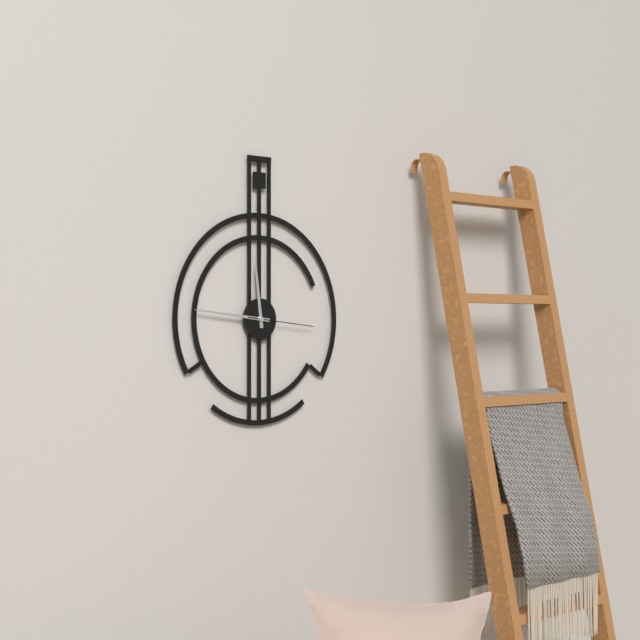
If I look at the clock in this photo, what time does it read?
11:46:16
